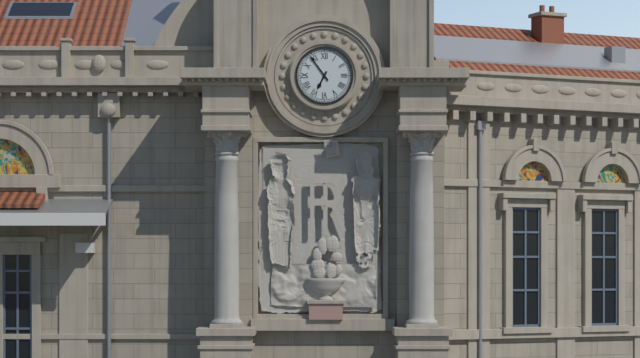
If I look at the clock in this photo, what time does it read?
6:54
